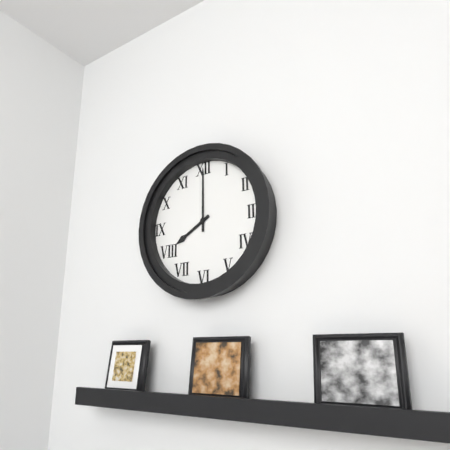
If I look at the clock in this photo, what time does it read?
8:00
